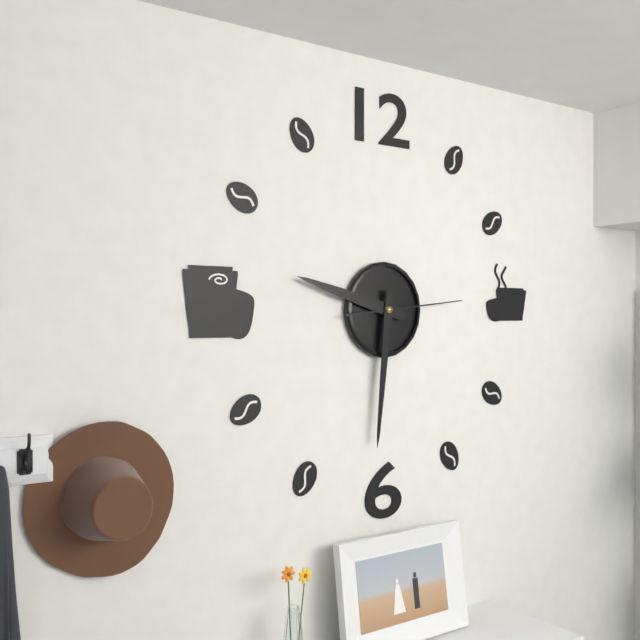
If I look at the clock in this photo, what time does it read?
9:31:14
